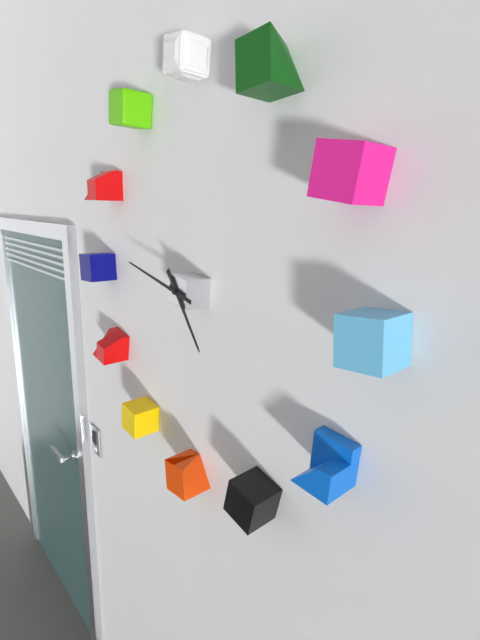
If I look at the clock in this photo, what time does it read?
4:47
